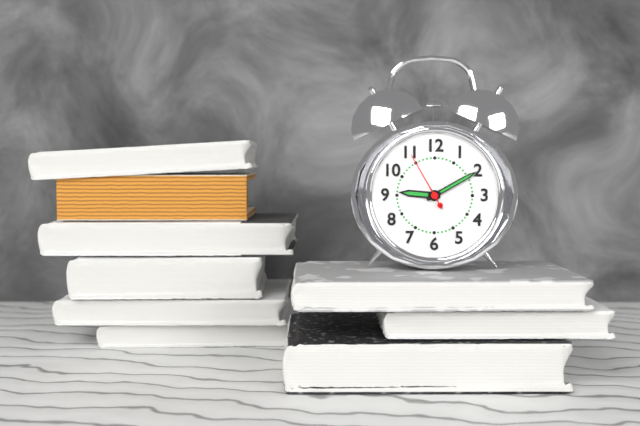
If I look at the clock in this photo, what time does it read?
9:10:55
